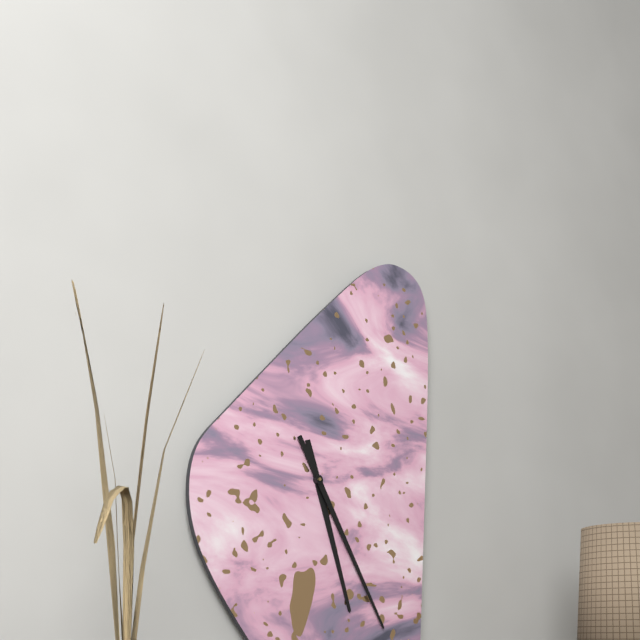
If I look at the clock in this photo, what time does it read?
5:25
